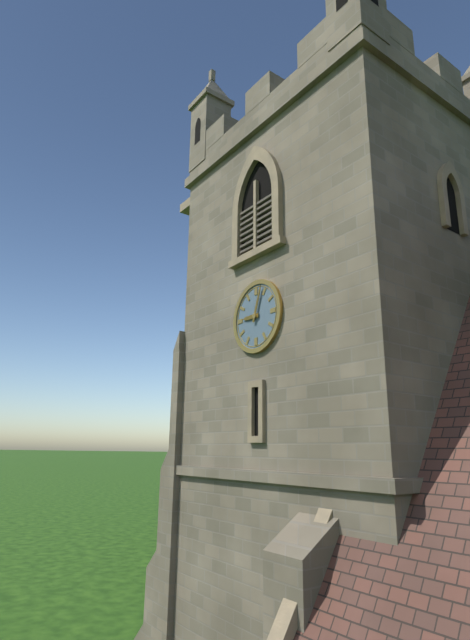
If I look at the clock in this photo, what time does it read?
9:03
